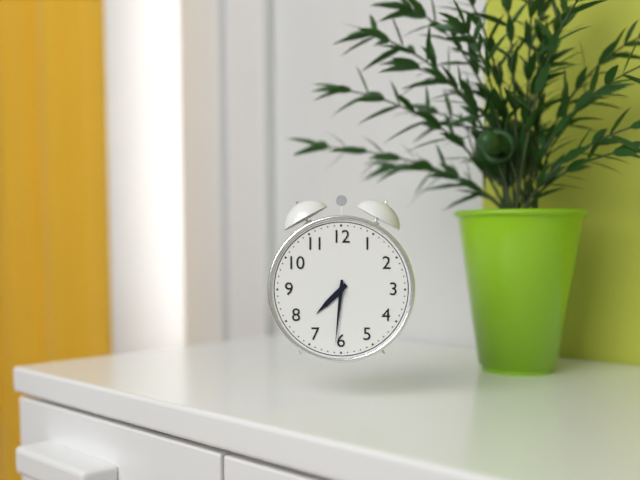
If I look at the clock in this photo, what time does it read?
7:31
